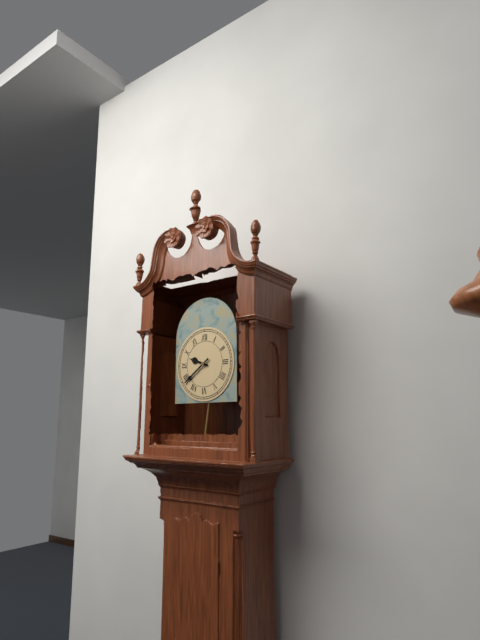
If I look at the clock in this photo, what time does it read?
9:39
